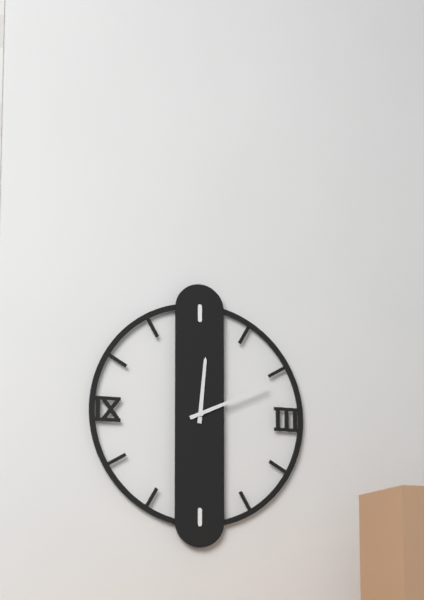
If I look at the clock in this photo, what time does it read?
12:11
